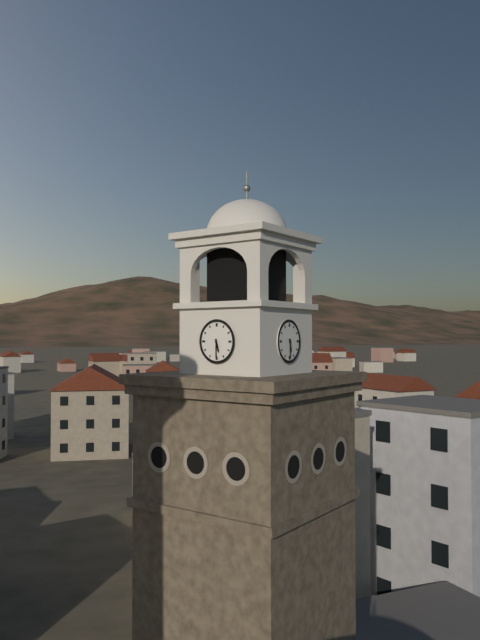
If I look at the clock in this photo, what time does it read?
5:30
